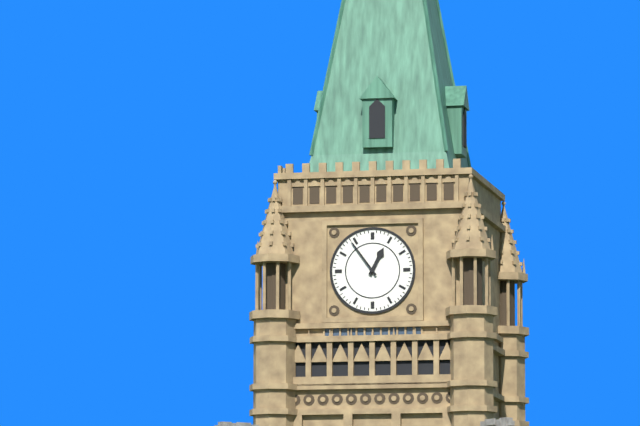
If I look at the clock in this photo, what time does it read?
12:54
